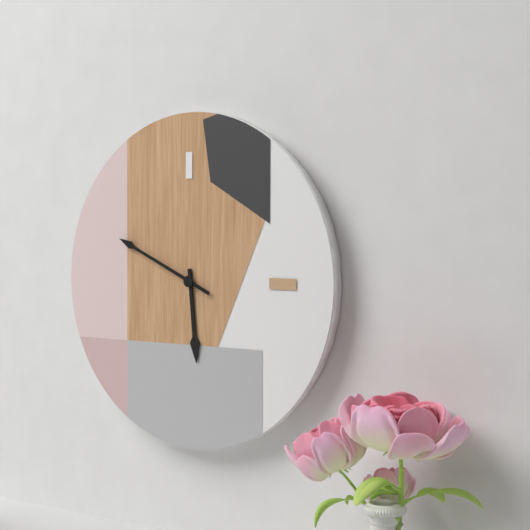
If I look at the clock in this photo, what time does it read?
5:49
